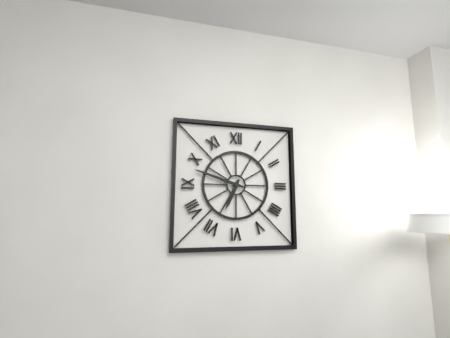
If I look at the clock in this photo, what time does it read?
6:48
